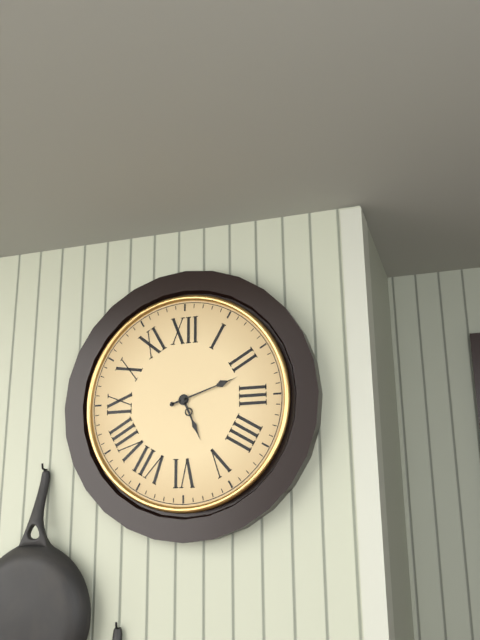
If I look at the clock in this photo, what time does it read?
5:12
